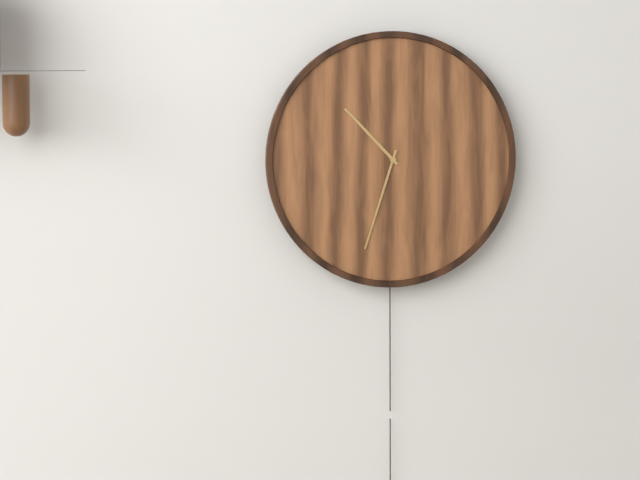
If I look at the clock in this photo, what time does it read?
10:33
